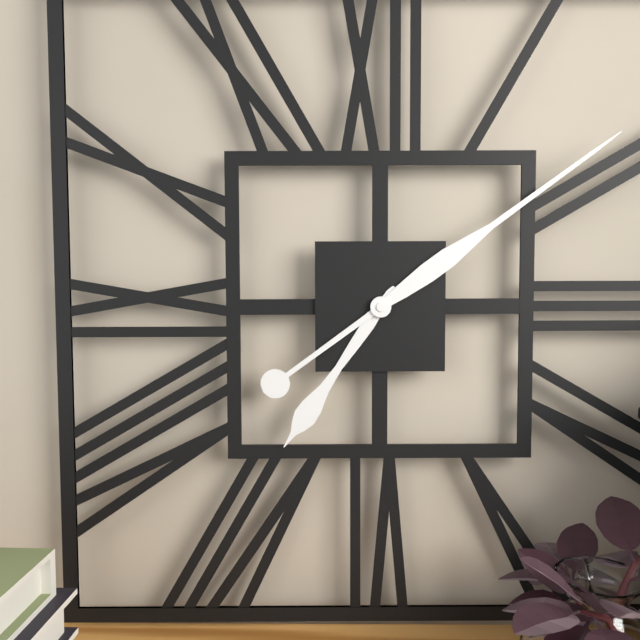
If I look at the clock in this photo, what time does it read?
7:09
